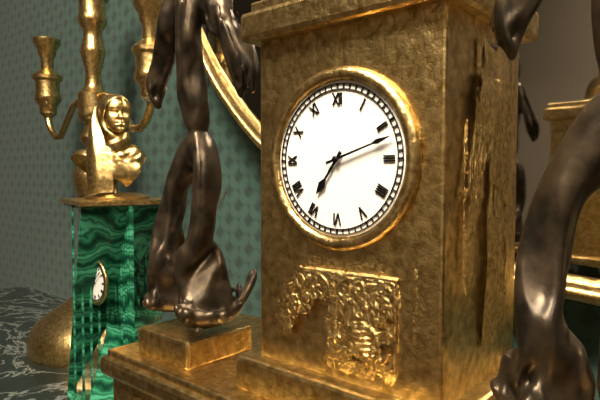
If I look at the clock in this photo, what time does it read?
7:12
